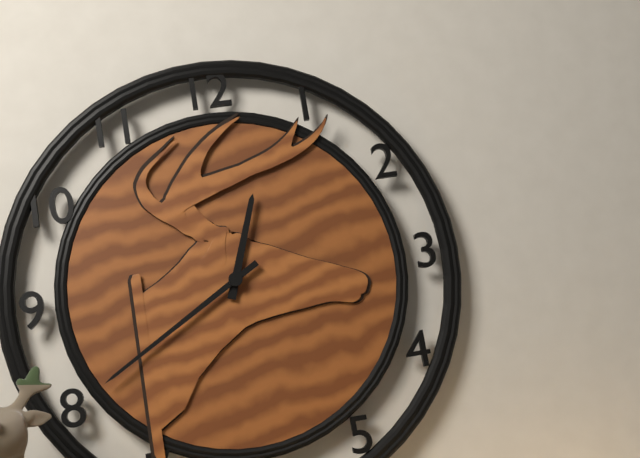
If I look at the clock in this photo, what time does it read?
12:40
